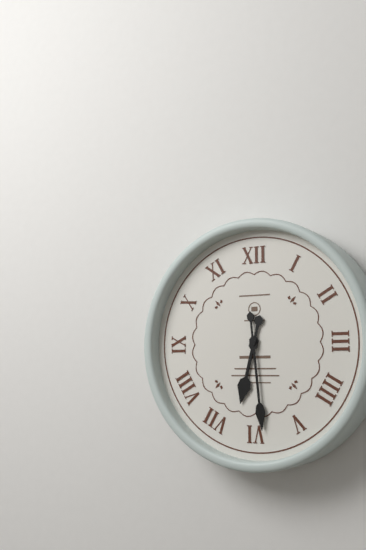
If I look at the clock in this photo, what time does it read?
6:29
